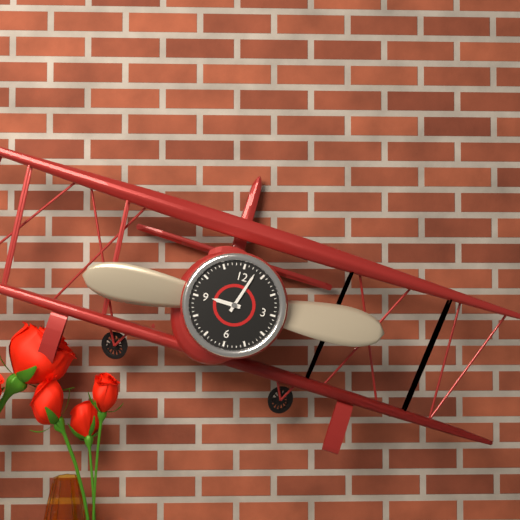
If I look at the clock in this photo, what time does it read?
9:03
